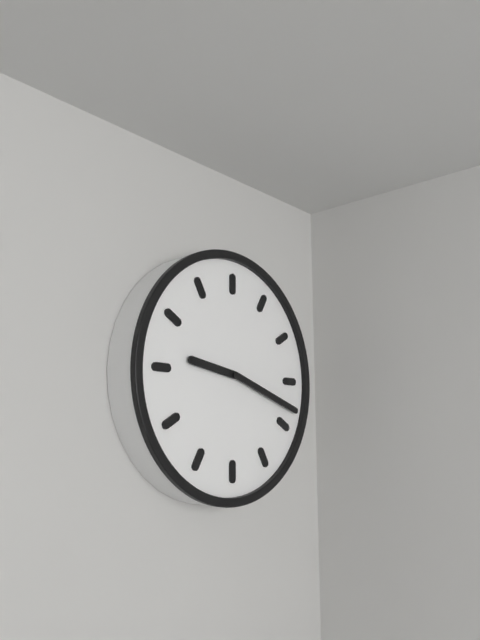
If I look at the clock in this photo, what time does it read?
9:18
